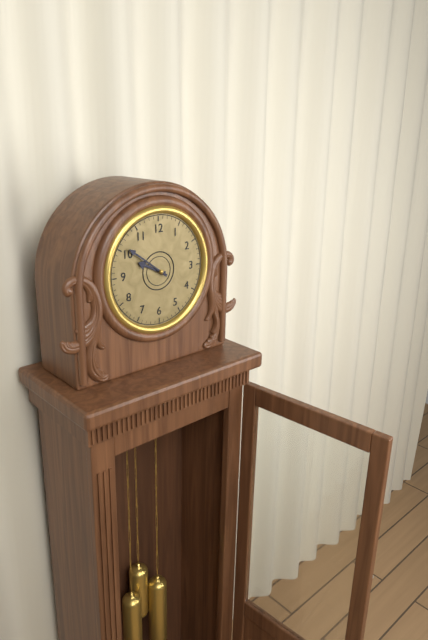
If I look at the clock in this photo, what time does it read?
9:51
